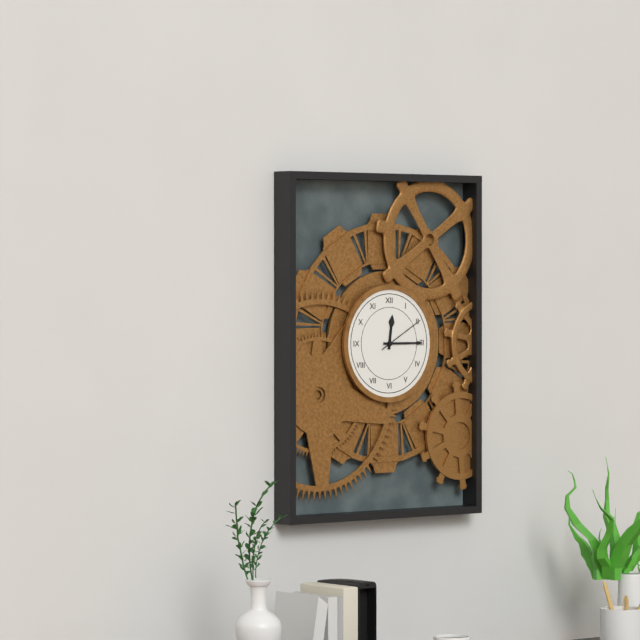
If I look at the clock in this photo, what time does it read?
12:15
